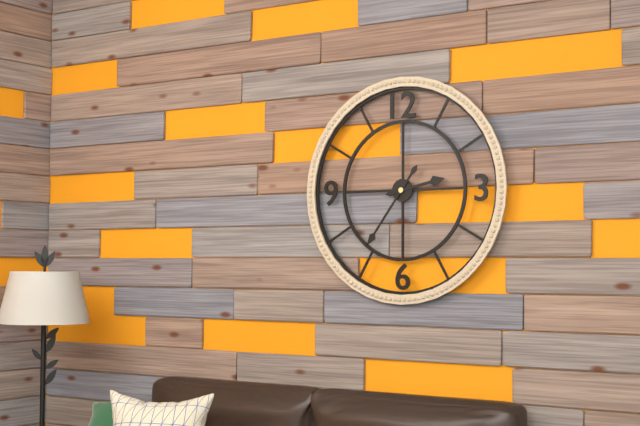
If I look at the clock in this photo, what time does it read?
2:36
